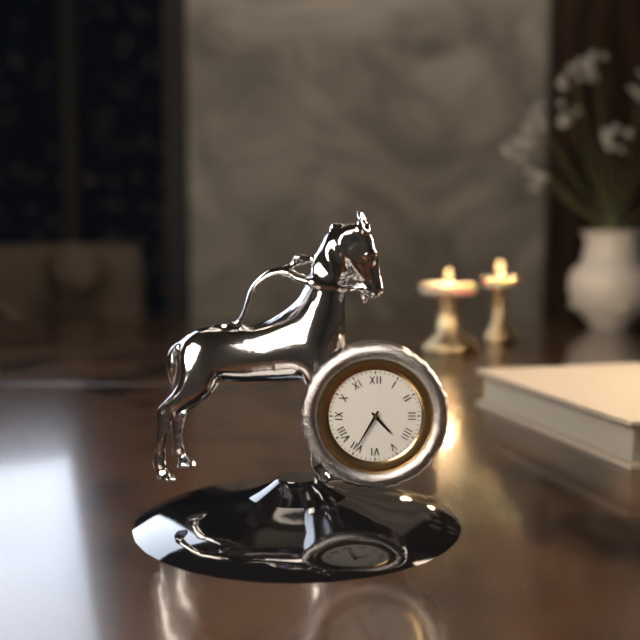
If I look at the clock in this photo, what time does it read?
4:35
